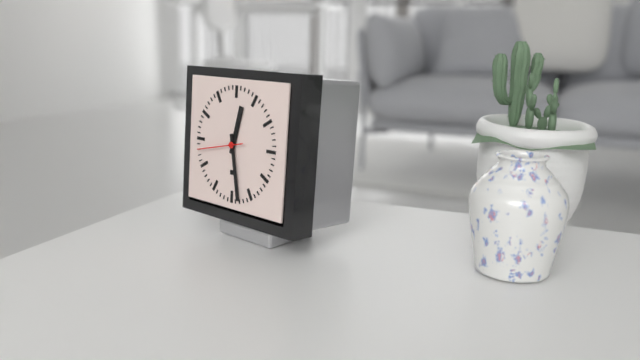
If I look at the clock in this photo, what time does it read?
12:28
